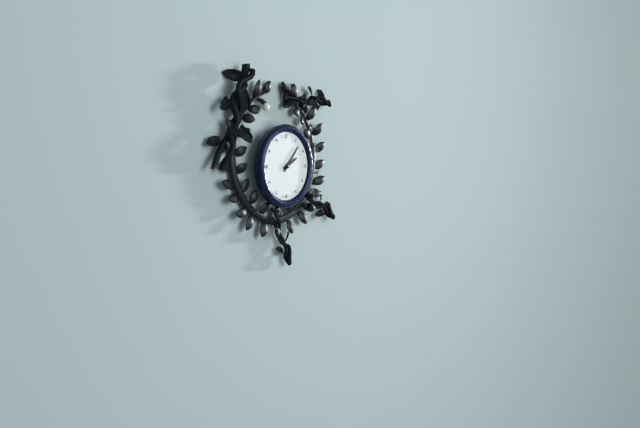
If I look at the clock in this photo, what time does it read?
2:07
